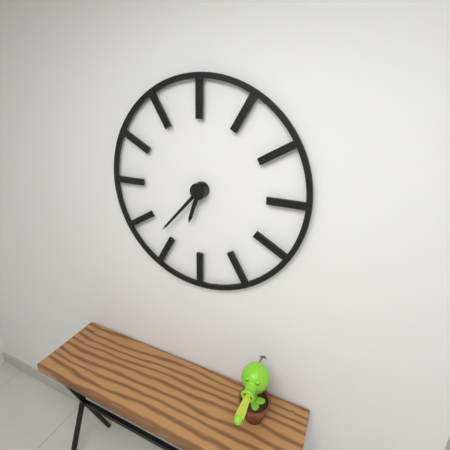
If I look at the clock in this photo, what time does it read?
6:37
